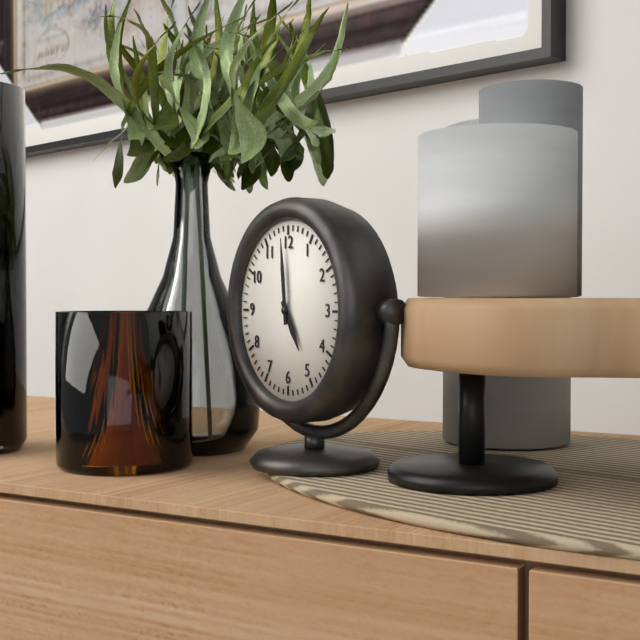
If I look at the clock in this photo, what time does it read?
4:59
